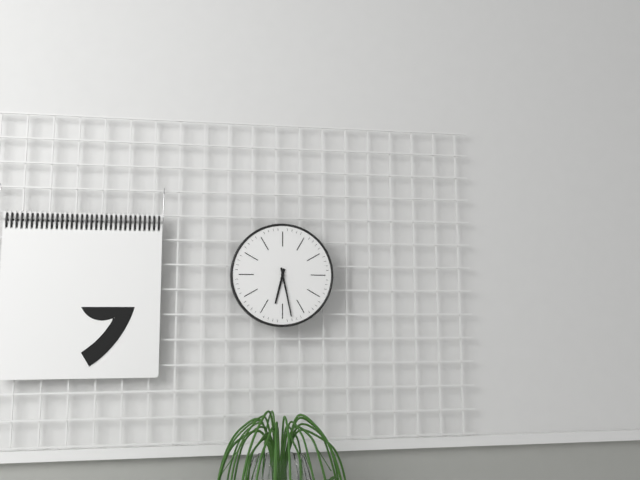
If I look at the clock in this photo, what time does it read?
6:28
